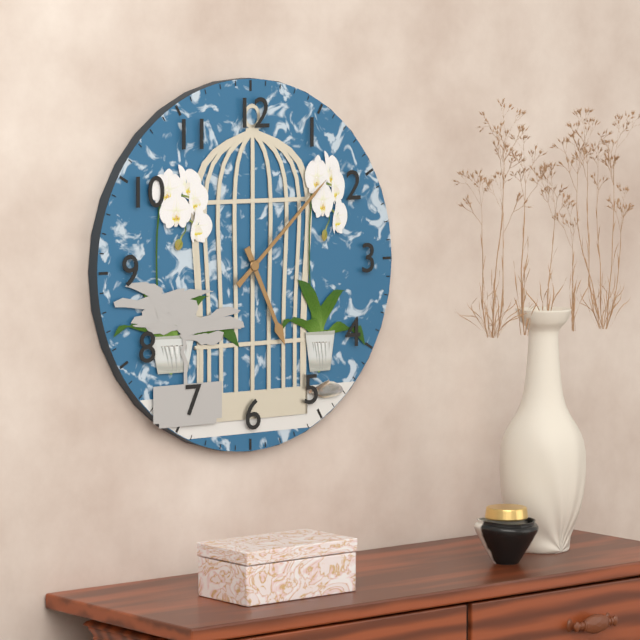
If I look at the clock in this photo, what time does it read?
5:08
